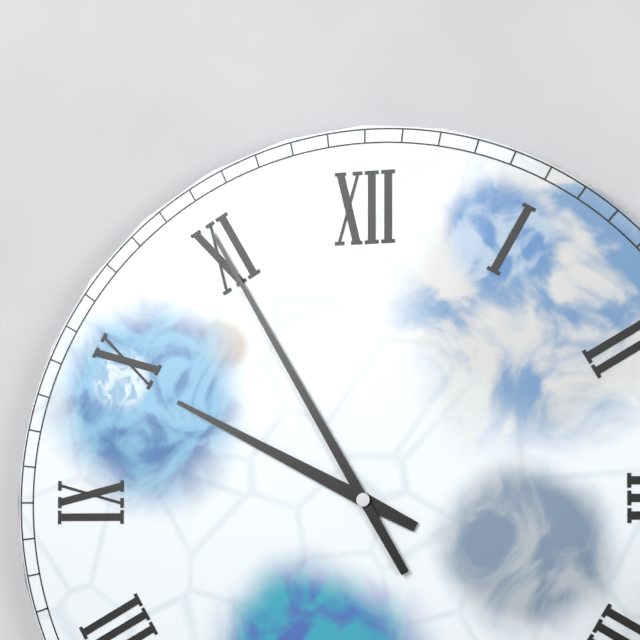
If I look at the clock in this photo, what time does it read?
9:55
